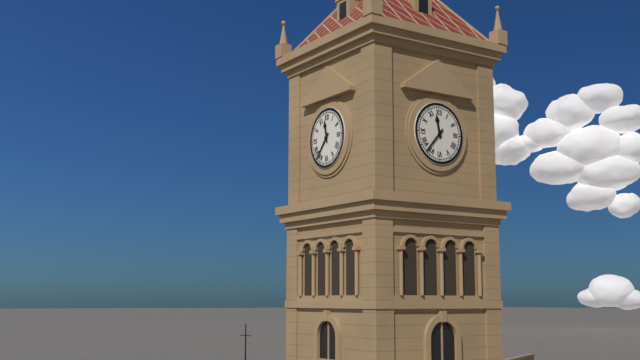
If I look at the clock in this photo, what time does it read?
11:37
